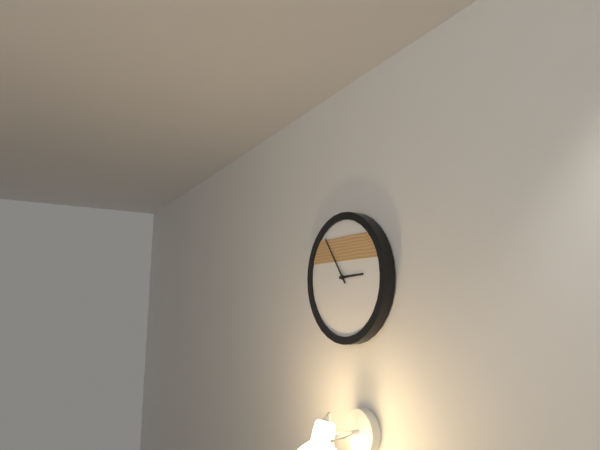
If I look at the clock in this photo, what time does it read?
2:54
